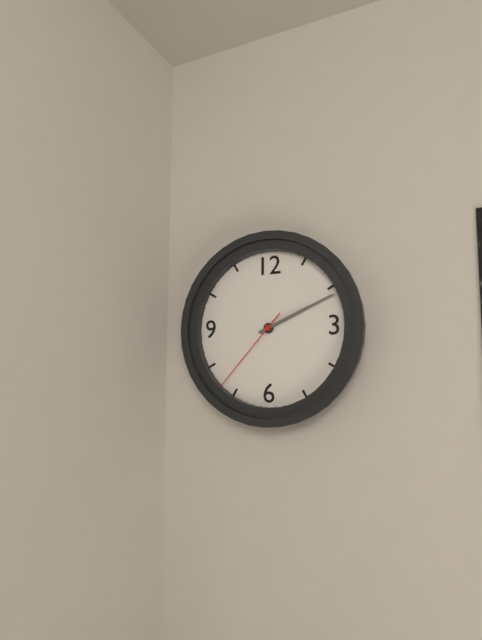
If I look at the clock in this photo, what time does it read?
2:11:37
